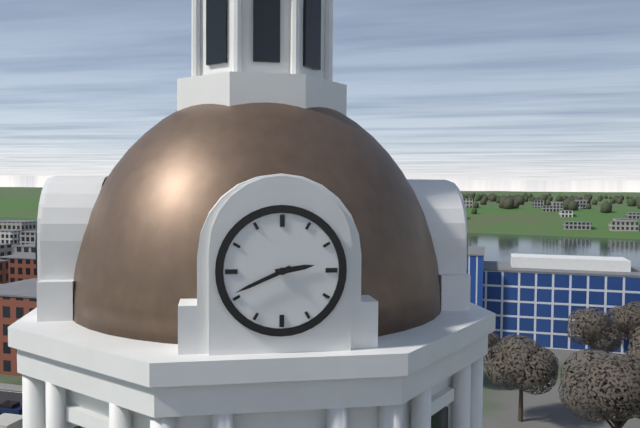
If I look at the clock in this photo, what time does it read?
2:41
